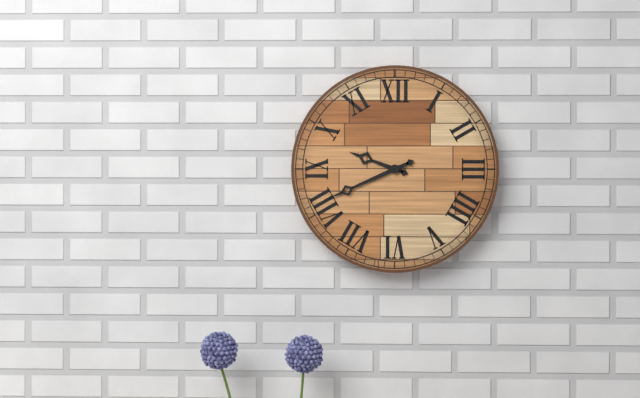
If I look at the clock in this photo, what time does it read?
9:41
